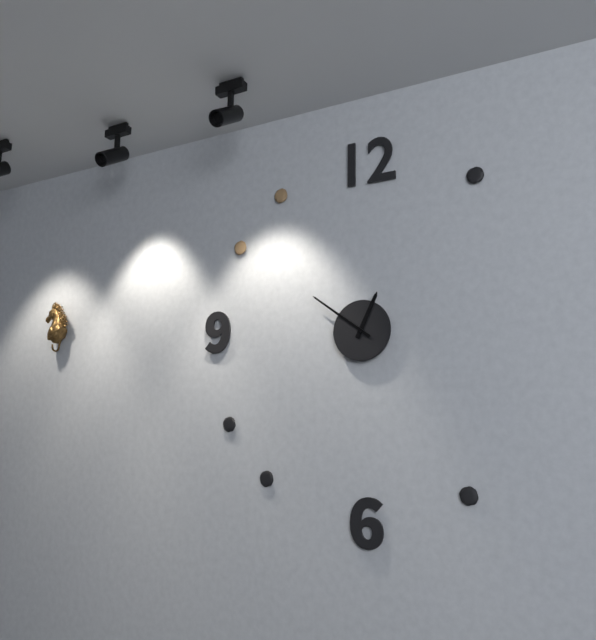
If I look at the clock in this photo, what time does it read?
12:51
